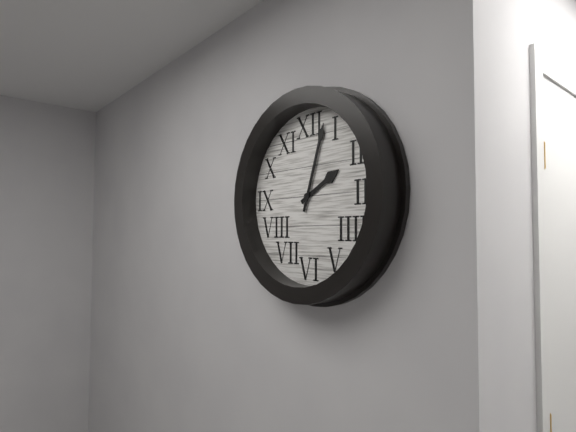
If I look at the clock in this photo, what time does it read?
2:03
